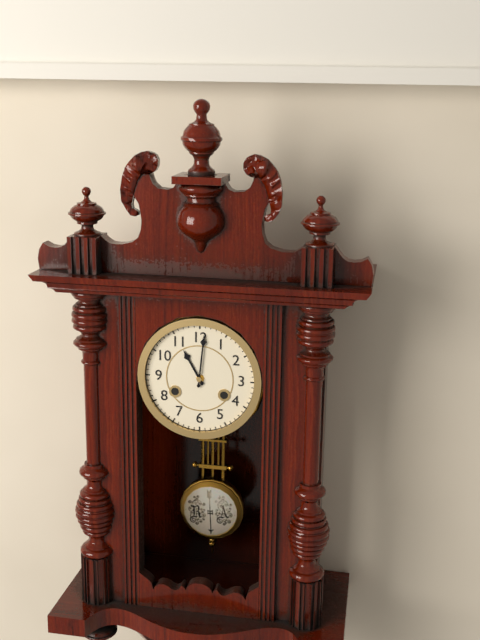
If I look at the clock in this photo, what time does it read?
11:01
